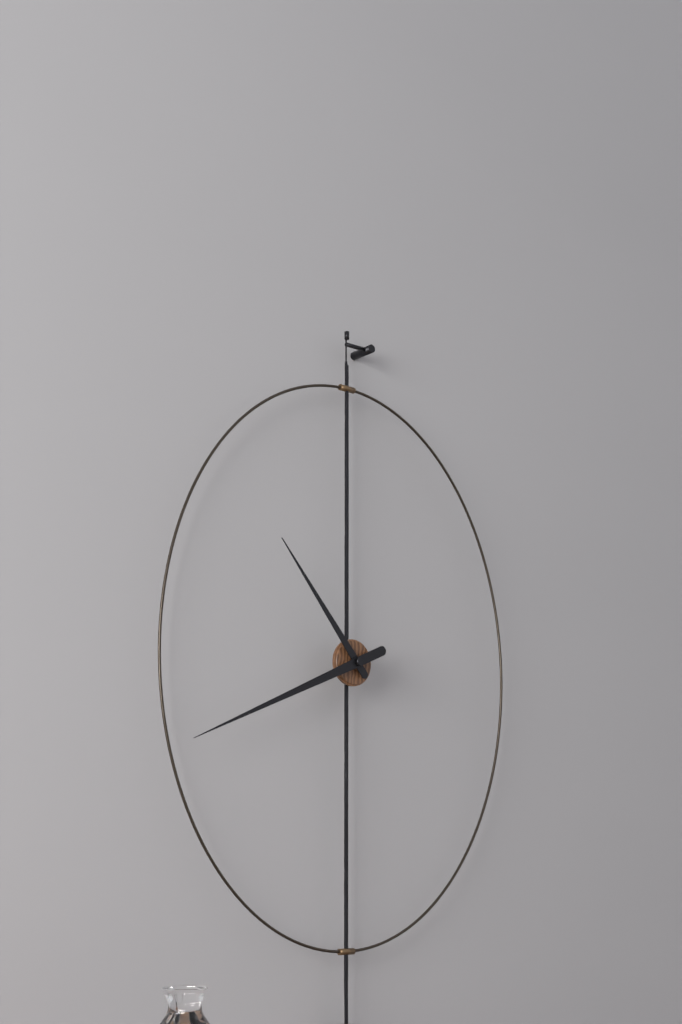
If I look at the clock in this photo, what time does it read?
10:41
